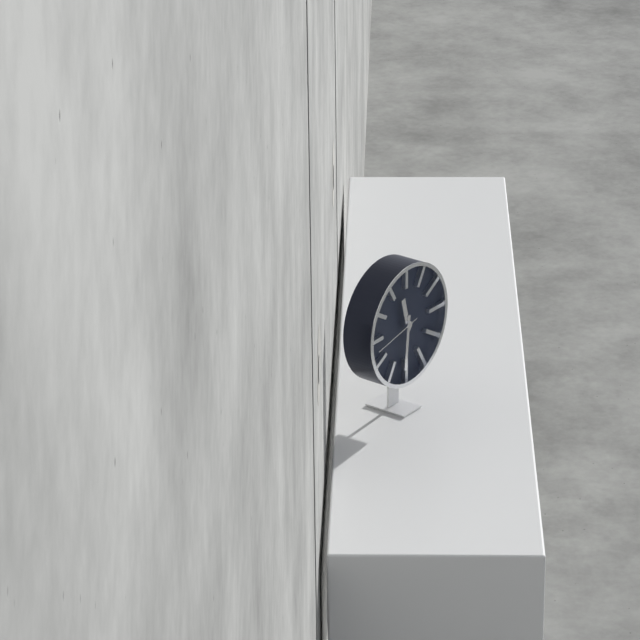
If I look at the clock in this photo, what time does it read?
11:31
